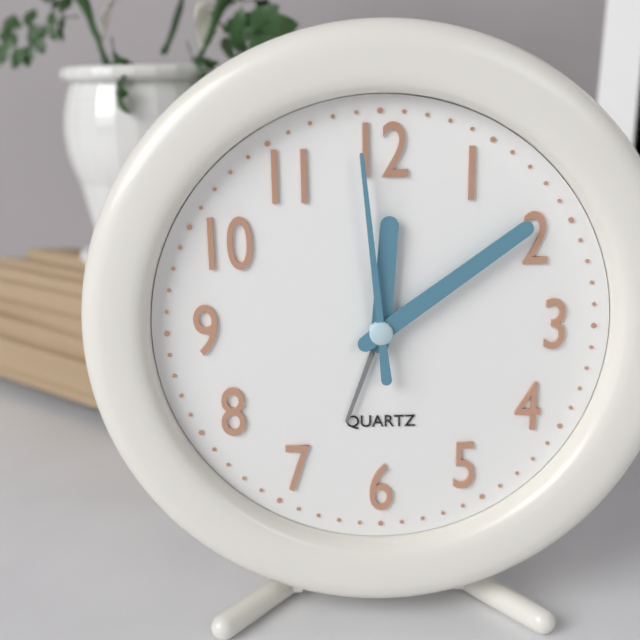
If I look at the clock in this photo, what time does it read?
12:09:59
